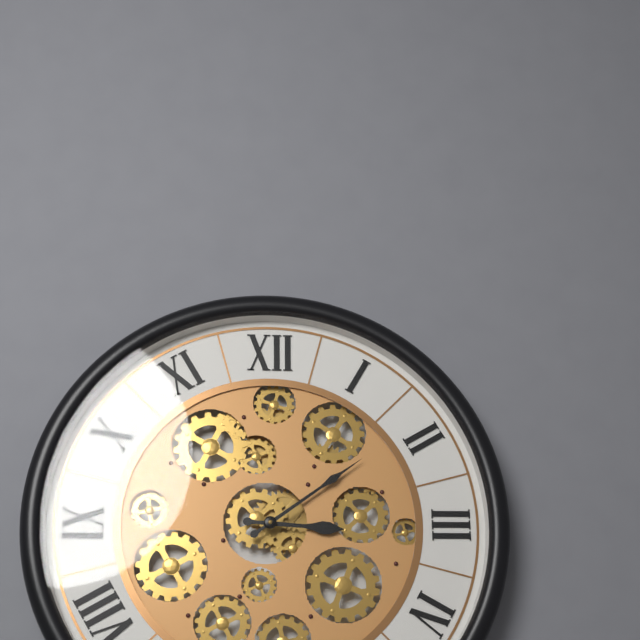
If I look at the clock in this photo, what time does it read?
3:09
